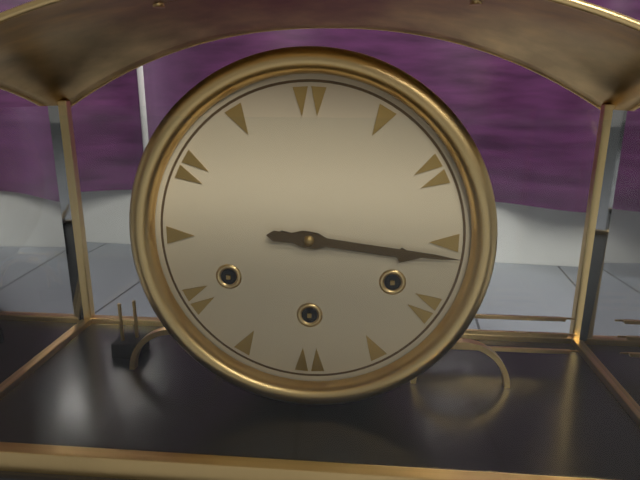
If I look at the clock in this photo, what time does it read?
3:16
